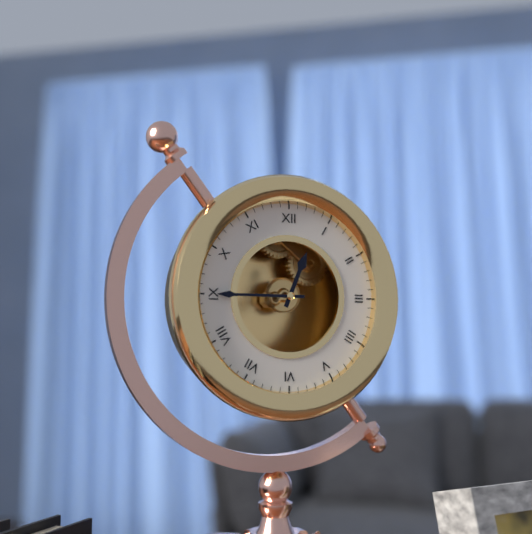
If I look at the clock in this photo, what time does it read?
12:45
